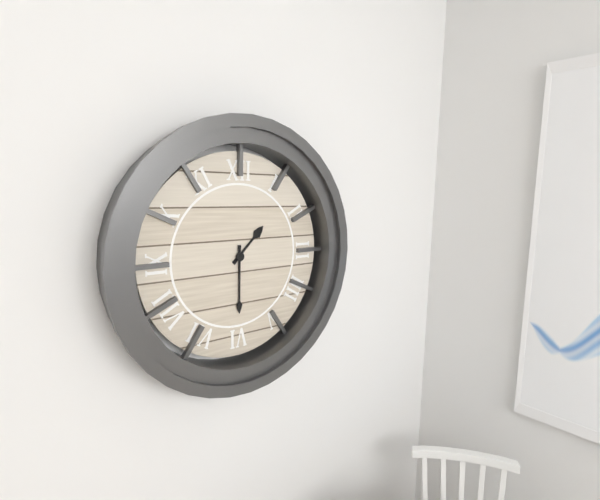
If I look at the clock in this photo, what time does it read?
1:30
